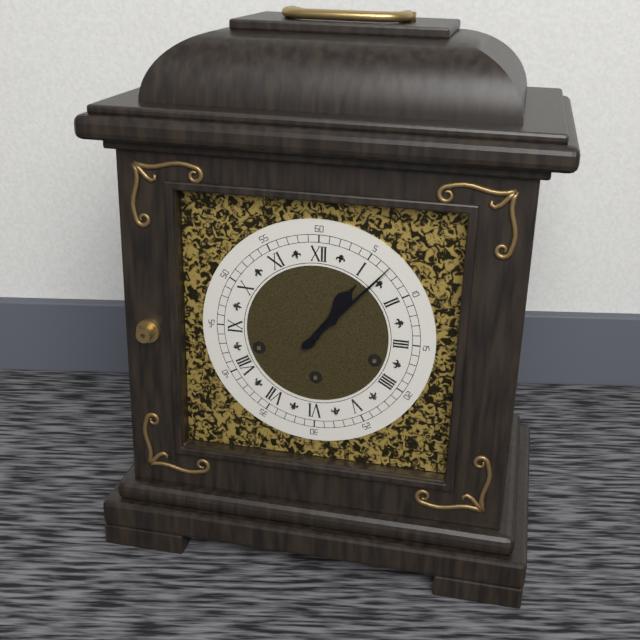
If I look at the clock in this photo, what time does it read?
1:07
